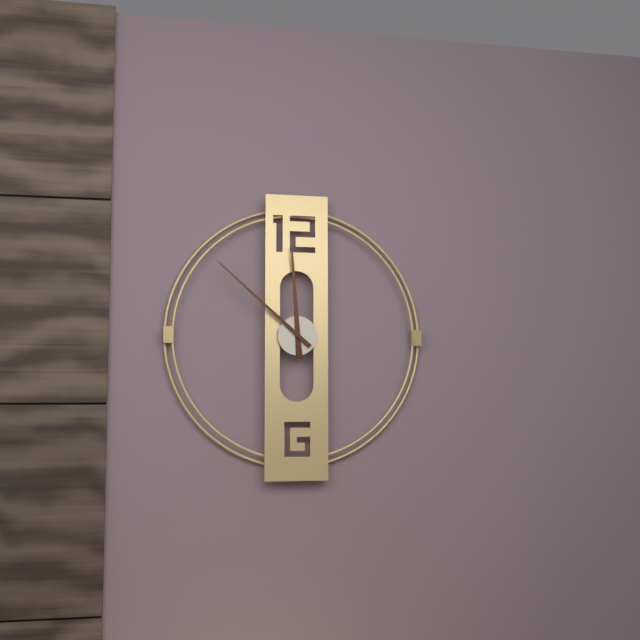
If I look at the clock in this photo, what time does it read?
11:52
